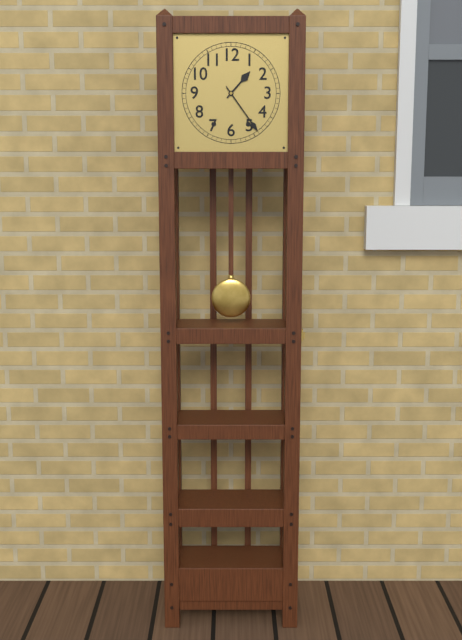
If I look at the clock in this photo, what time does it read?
1:24
